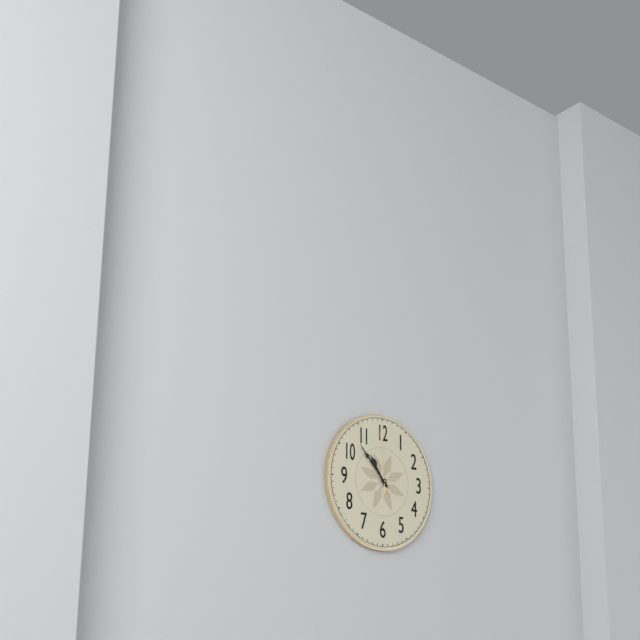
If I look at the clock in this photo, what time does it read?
10:53:59
